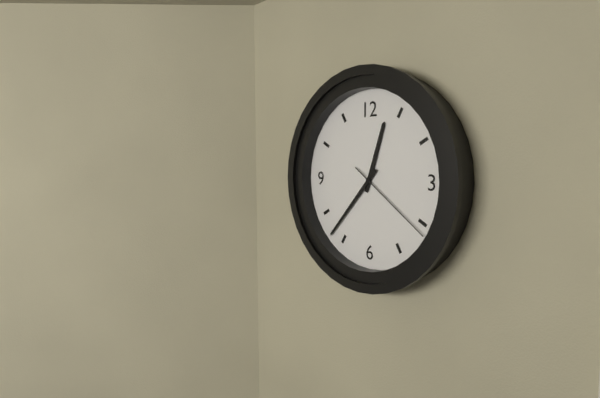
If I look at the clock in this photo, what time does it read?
12:37:21
